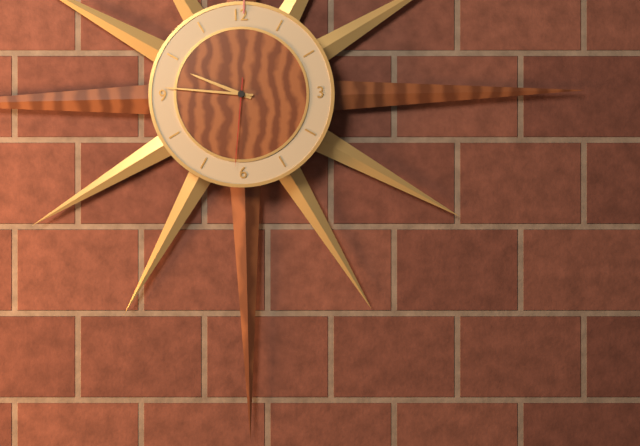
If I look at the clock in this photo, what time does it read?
9:46:31
